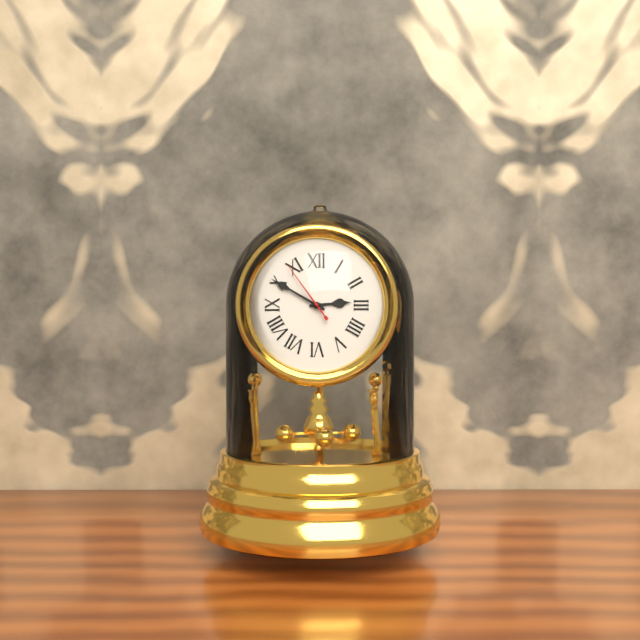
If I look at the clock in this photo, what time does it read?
2:50:54
